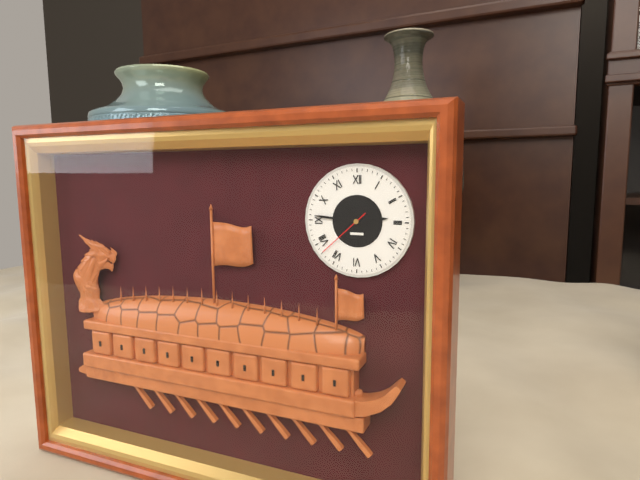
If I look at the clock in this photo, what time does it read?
2:46:38
